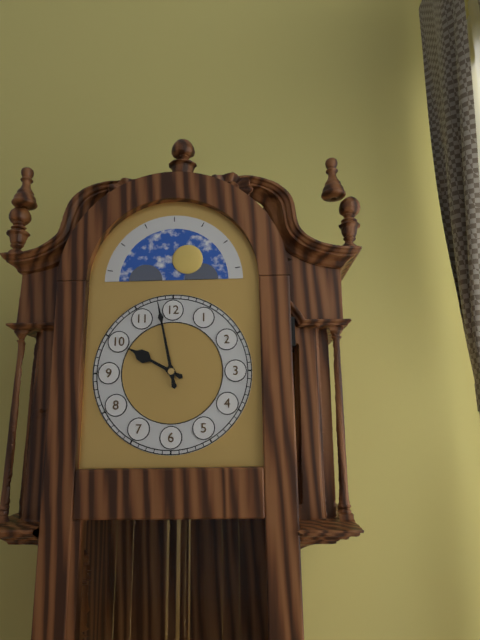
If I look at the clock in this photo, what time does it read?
9:58
